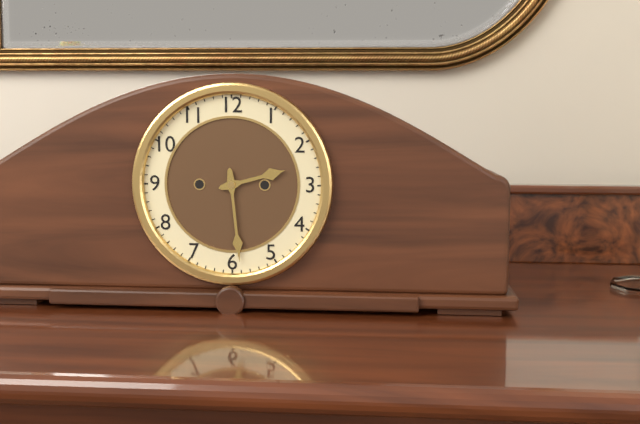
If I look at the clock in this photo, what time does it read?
2:29
